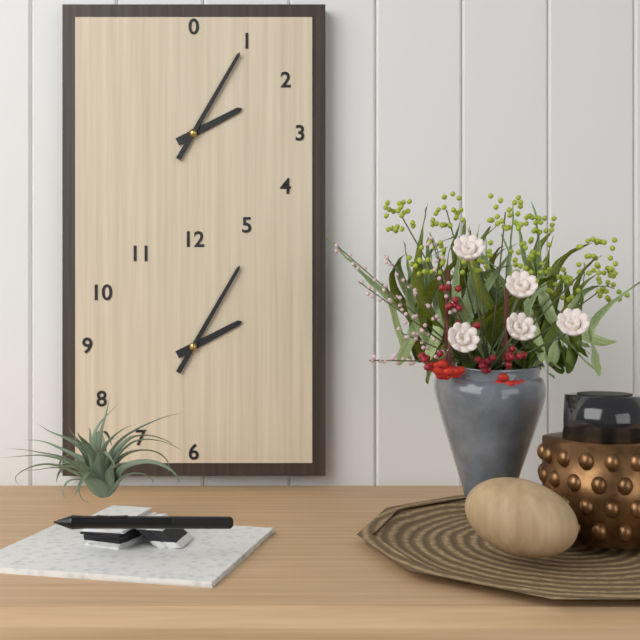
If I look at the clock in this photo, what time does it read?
2:05
